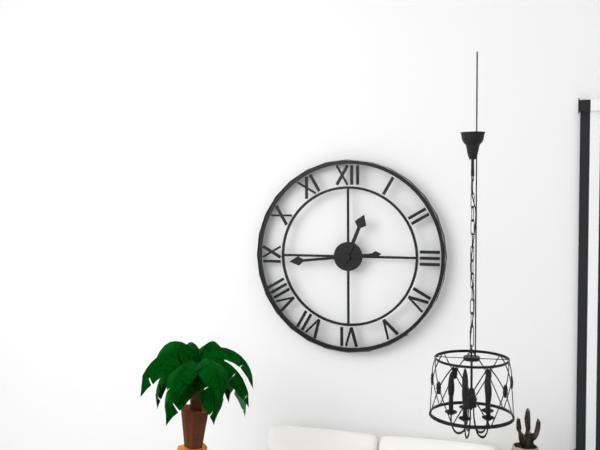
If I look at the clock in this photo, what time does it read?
12:44
